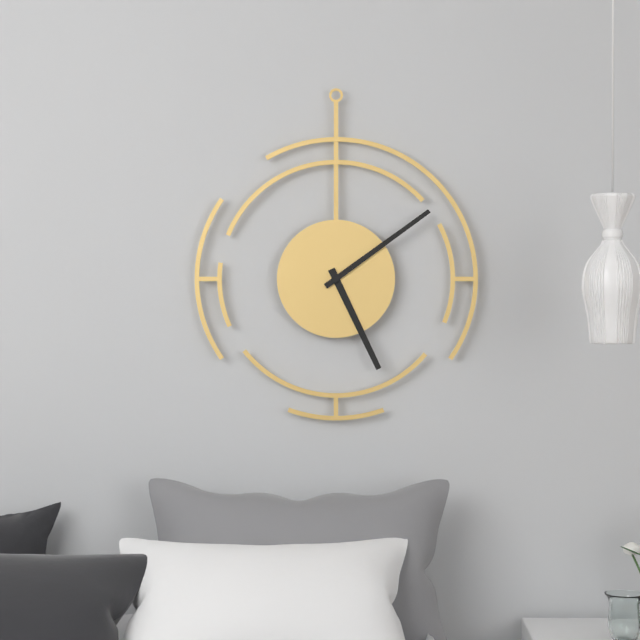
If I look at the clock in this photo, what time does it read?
5:09
